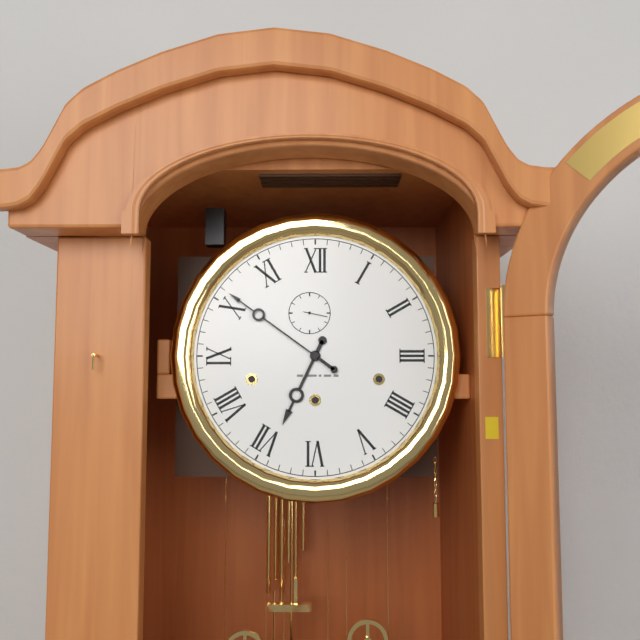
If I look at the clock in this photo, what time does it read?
6:51
